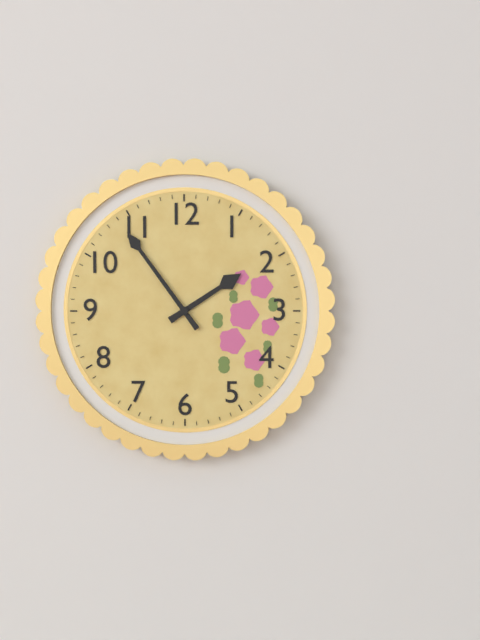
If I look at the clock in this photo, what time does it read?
1:54
